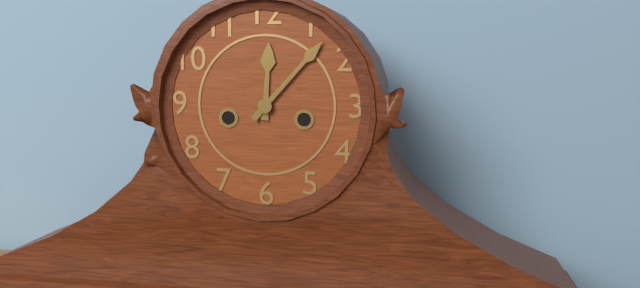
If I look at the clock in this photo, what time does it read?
12:07
